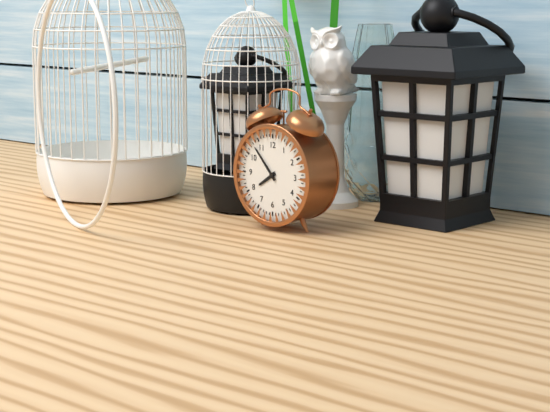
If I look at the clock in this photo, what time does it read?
7:53
